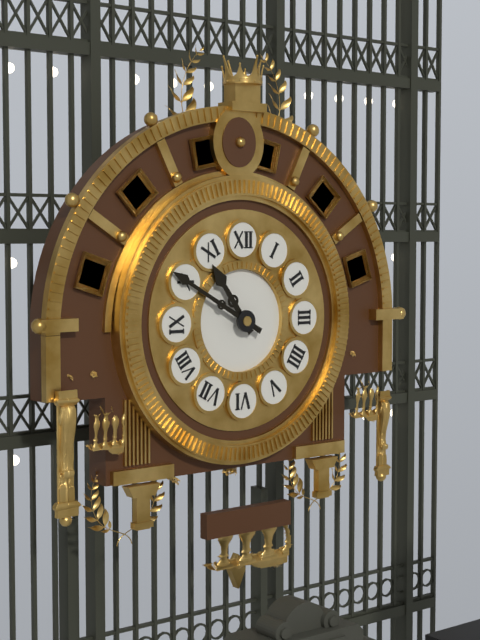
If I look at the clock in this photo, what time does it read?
10:50
